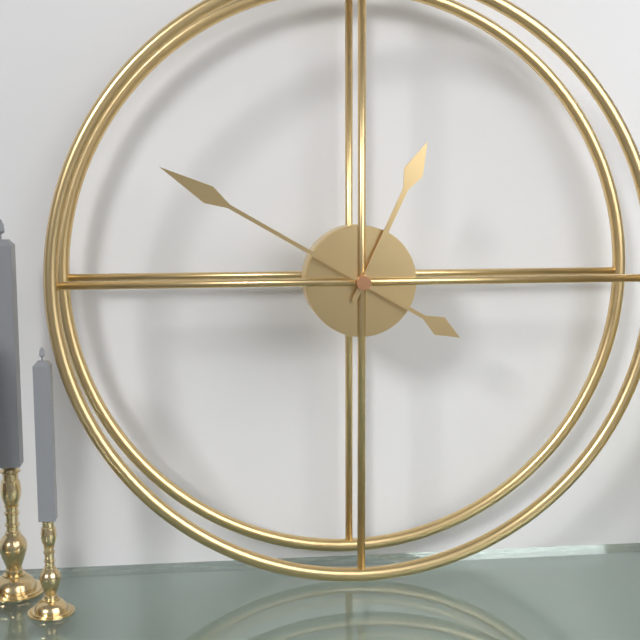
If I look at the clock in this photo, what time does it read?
12:50
